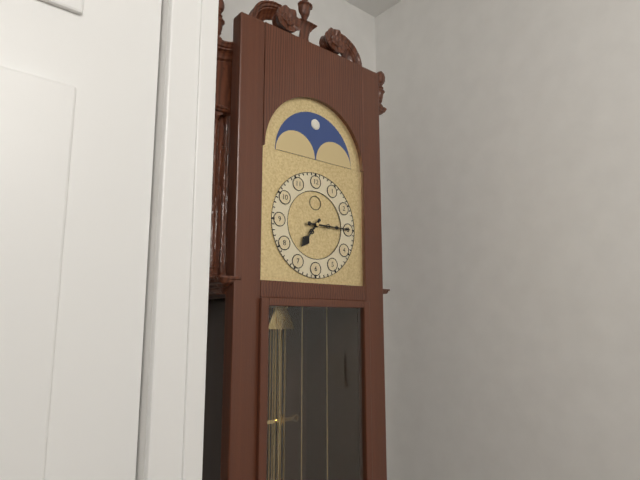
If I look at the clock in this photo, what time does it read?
7:15
